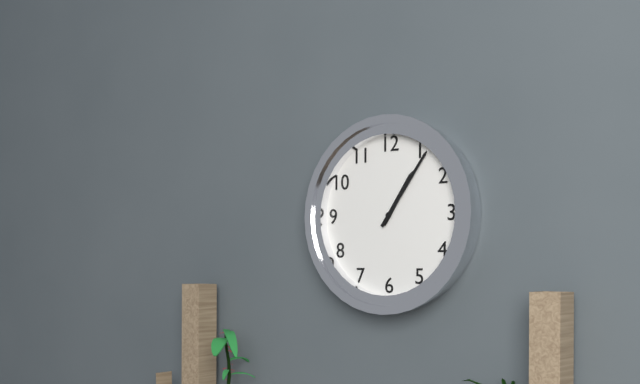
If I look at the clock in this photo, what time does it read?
1:06
